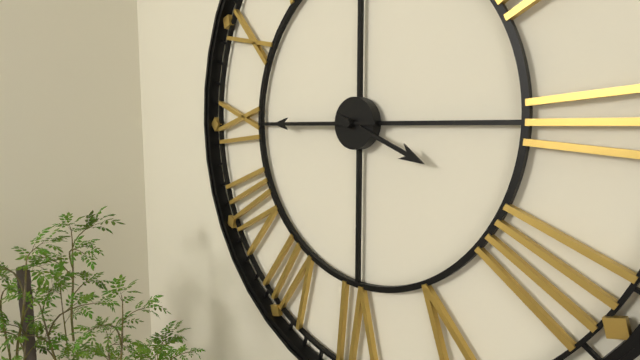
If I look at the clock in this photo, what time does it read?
3:45
